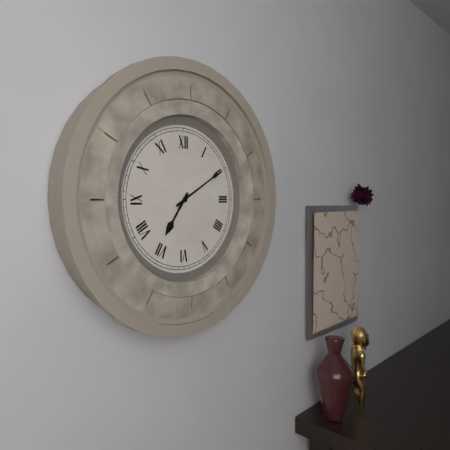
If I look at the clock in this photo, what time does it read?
7:10
